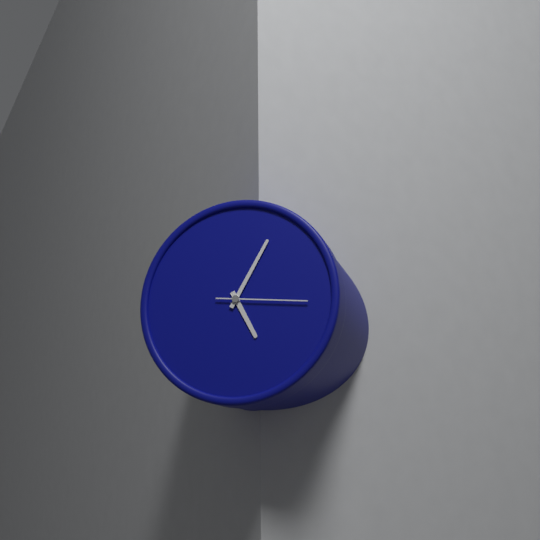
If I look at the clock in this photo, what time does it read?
5:05:16
